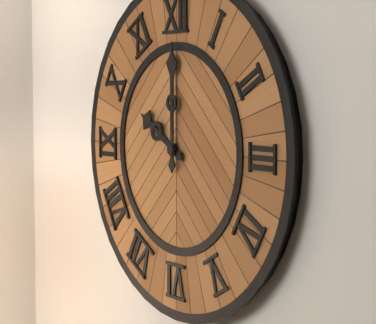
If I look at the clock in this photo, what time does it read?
10:00
